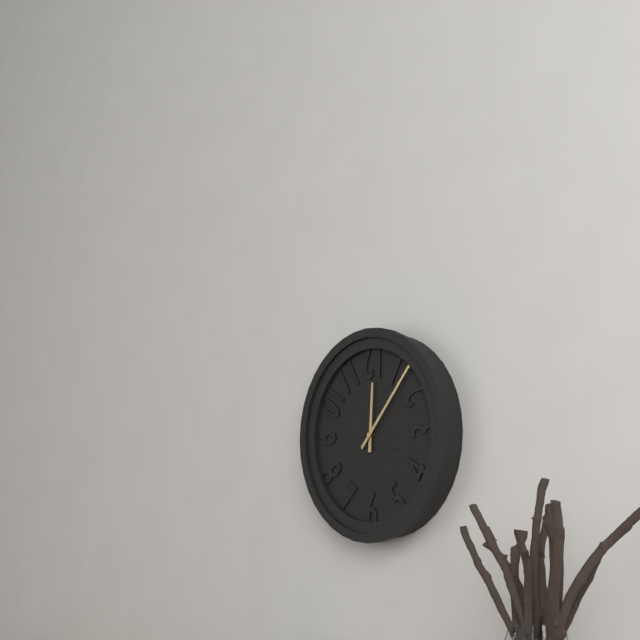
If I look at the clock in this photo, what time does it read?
12:07
